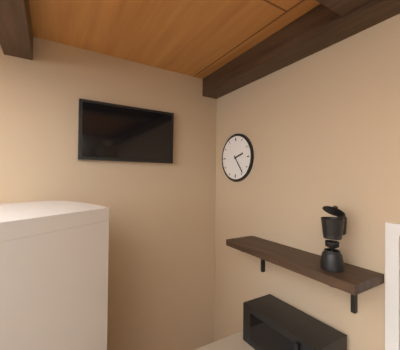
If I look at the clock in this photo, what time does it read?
2:24
